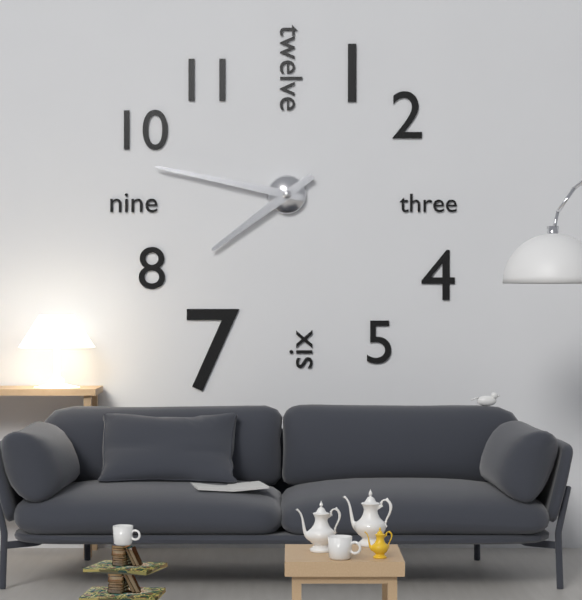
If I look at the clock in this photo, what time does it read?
7:47
